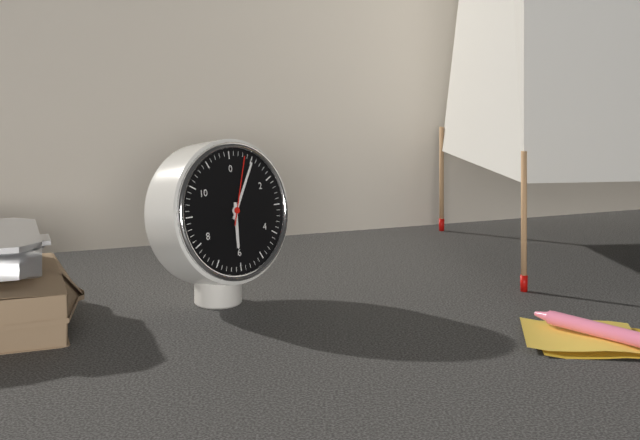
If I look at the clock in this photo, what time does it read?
6:05:03
